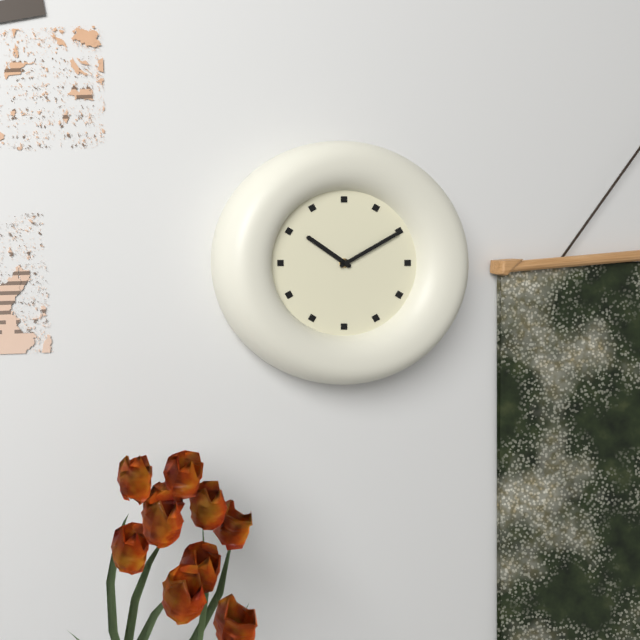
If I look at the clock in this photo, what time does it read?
10:10
